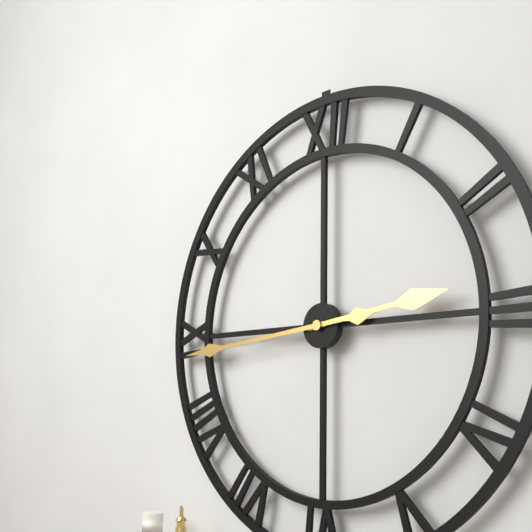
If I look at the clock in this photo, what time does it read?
2:44
